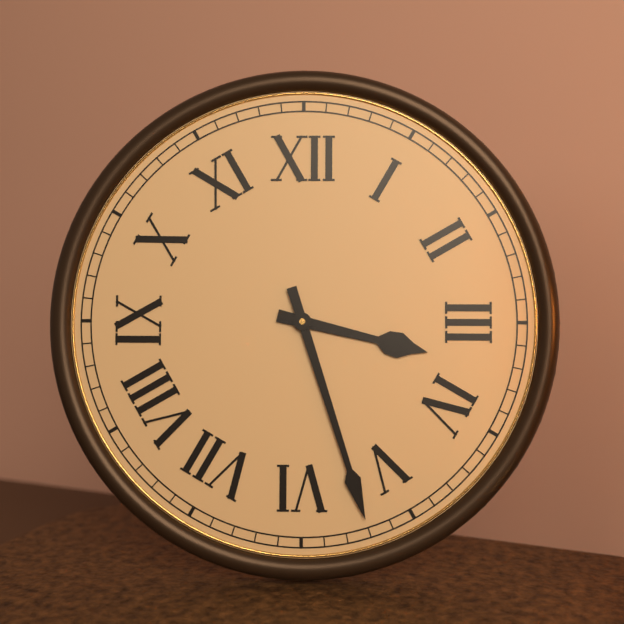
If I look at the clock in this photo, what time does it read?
3:27
